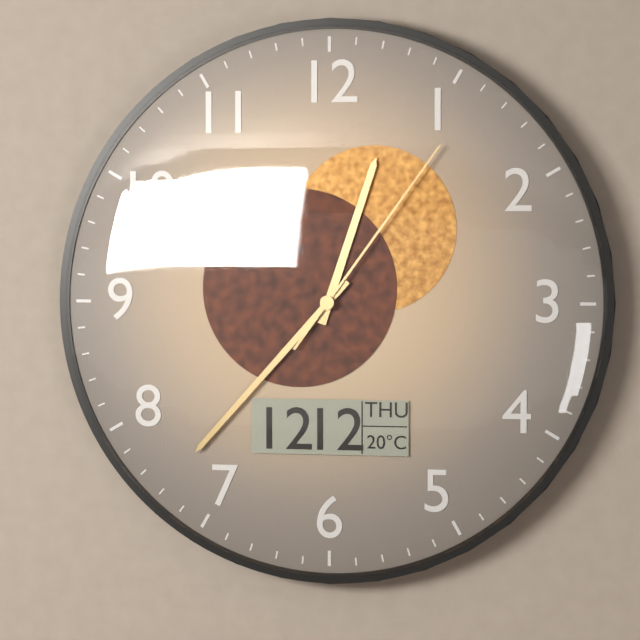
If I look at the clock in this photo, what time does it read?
12:37:06
